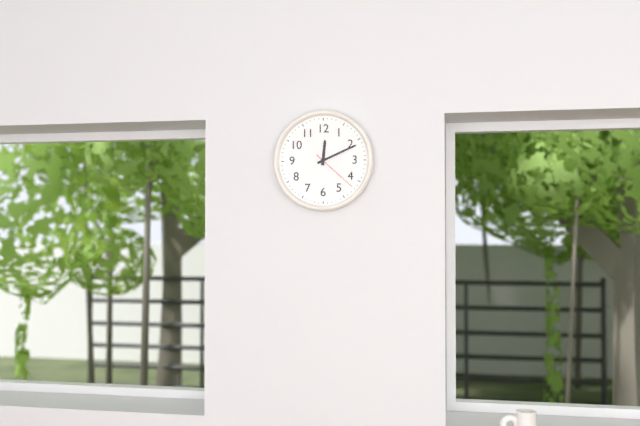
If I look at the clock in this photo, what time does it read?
12:11
